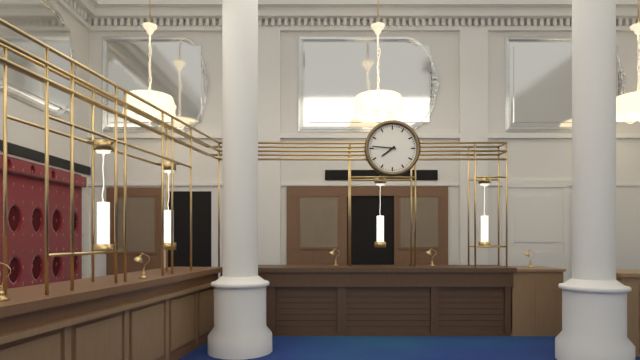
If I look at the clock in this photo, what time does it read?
7:46
